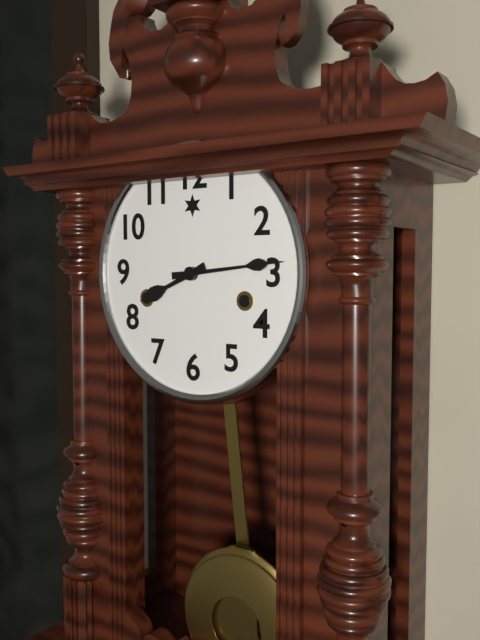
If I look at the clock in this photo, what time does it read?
8:14
